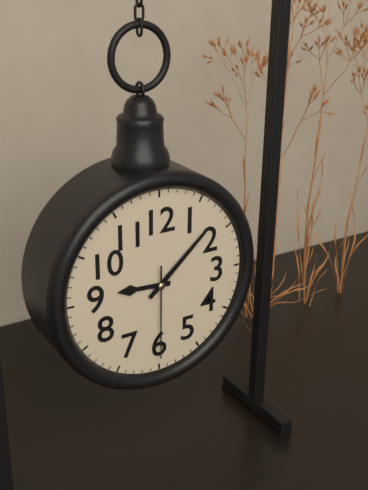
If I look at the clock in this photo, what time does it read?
9:08:30
